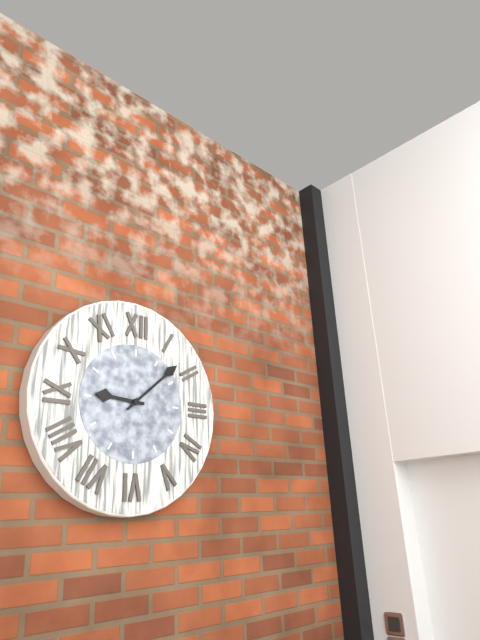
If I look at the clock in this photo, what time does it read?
9:08
